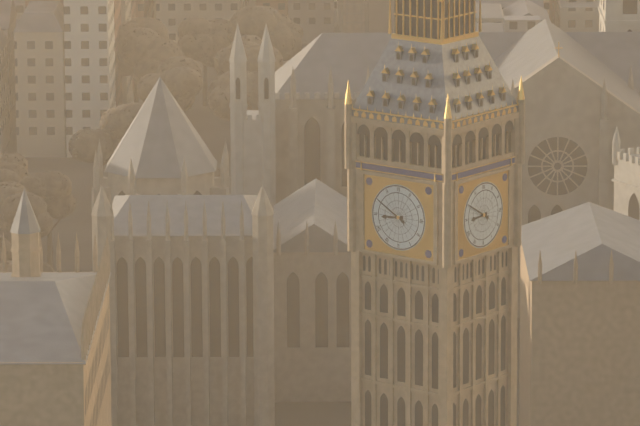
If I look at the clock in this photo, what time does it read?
8:50
